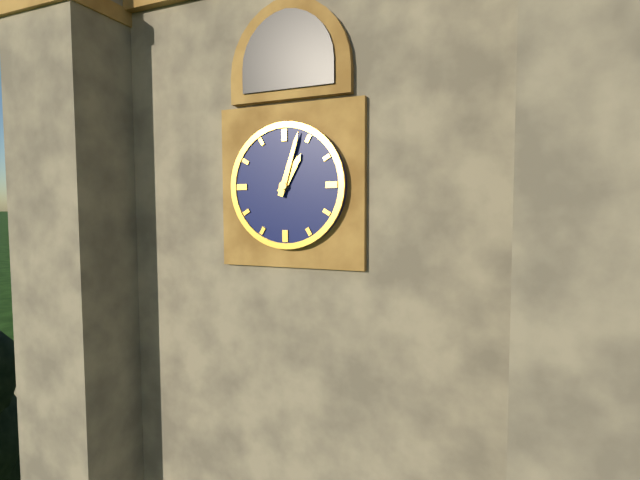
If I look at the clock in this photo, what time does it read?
1:03
